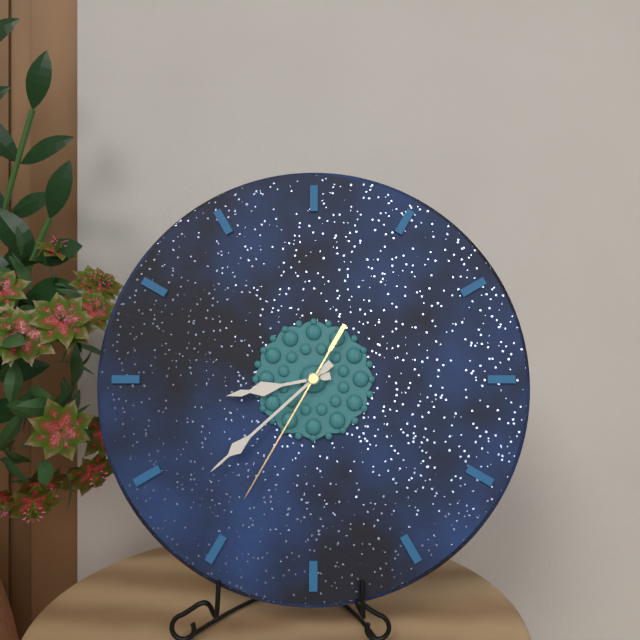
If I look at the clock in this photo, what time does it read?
8:38:35
